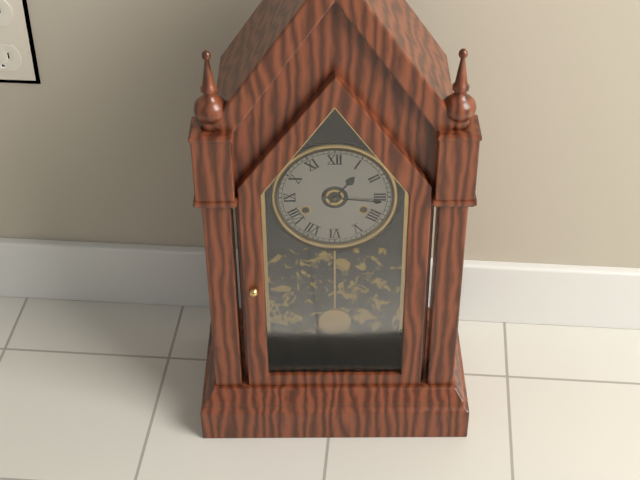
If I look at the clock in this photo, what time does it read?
1:16
